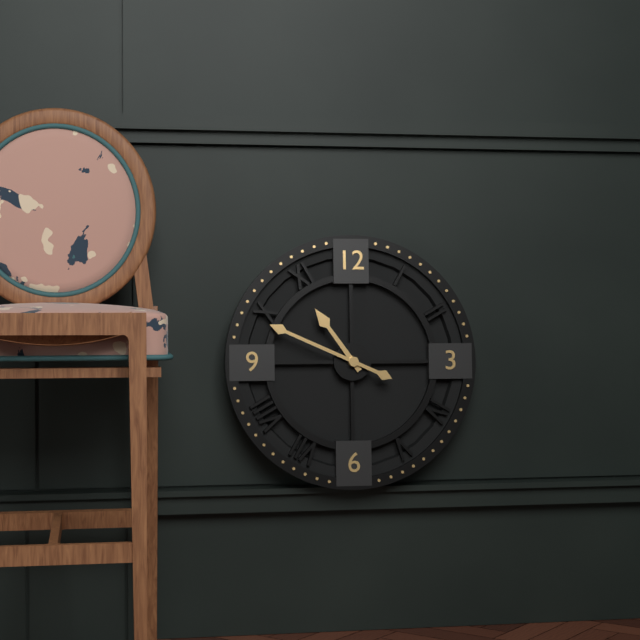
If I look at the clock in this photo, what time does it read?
10:49
